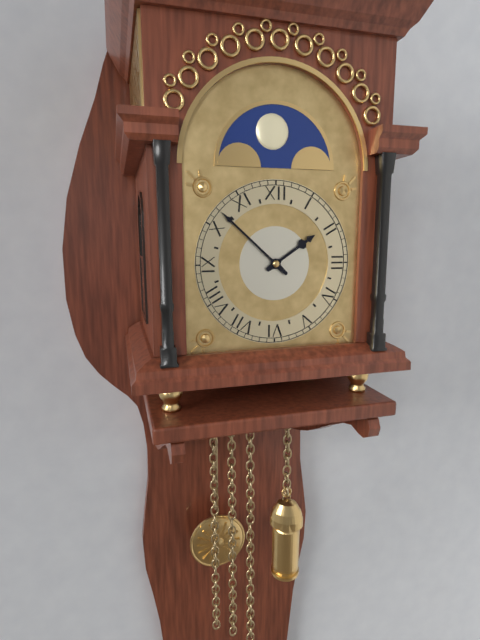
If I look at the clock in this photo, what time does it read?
1:52
